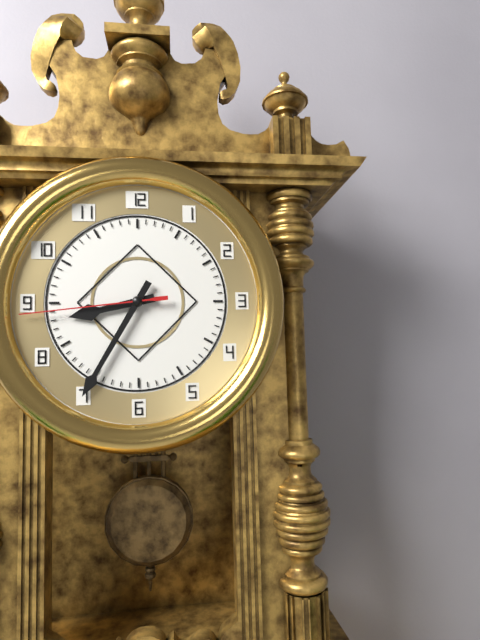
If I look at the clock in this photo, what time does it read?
8:35:44
